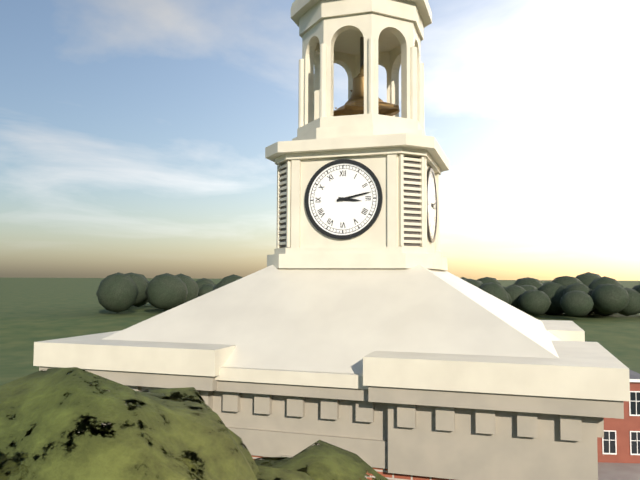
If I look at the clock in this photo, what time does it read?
3:13
